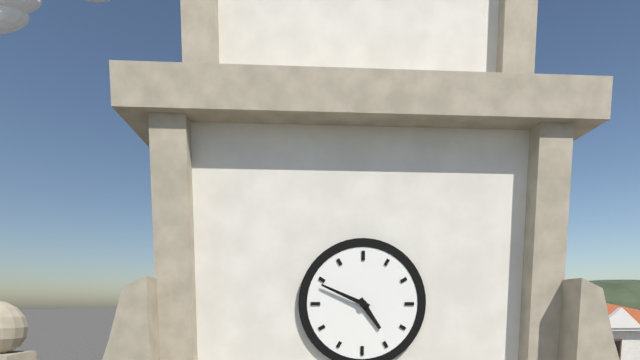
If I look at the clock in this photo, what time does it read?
4:49
